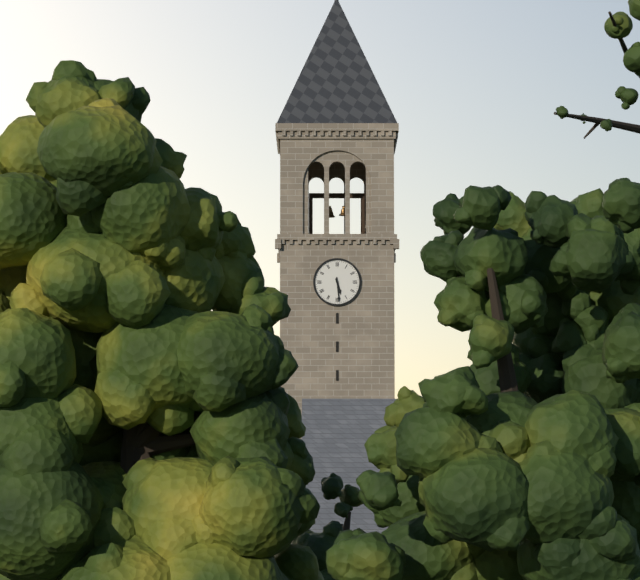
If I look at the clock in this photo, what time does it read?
5:29
